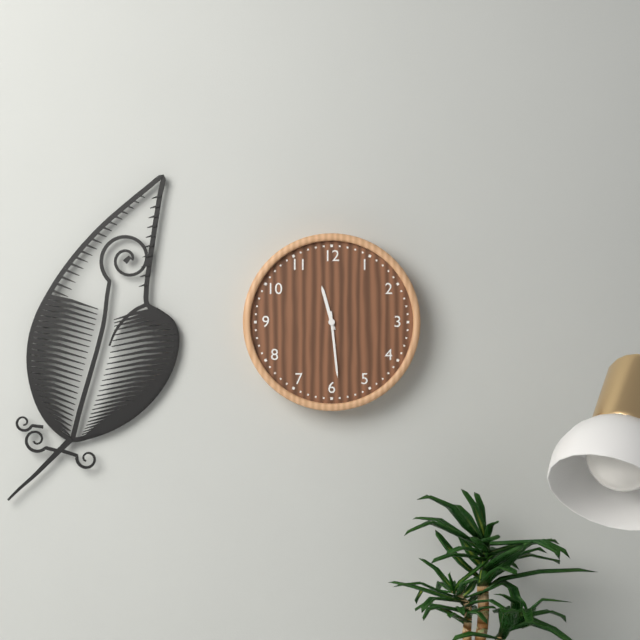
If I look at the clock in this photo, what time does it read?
11:29
